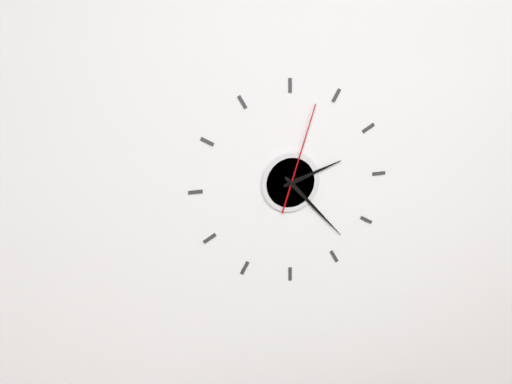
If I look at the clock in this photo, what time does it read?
2:23:03
